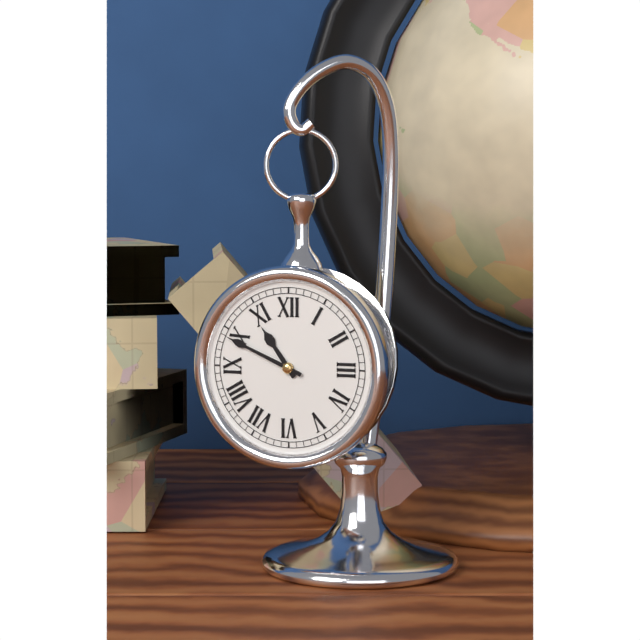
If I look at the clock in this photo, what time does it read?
10:49
